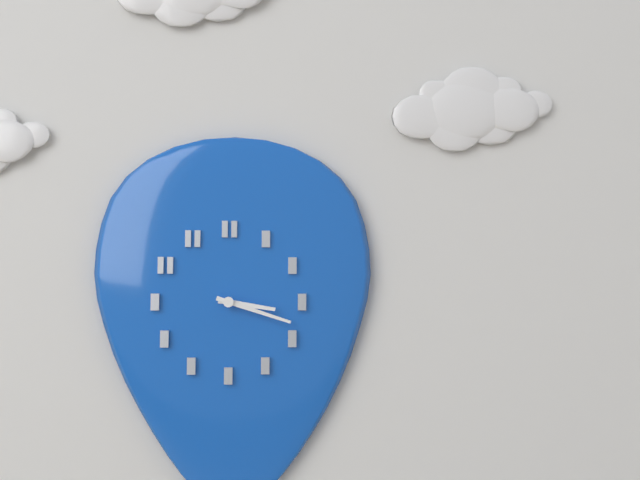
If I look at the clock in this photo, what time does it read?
3:18
